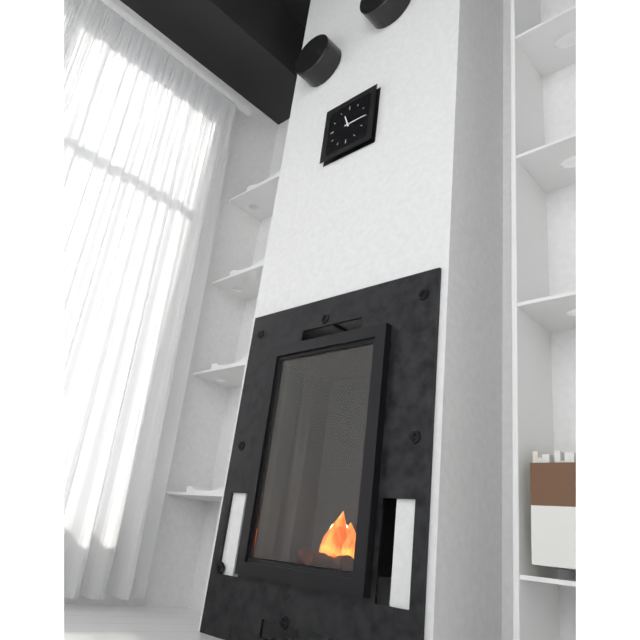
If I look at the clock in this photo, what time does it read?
11:15
